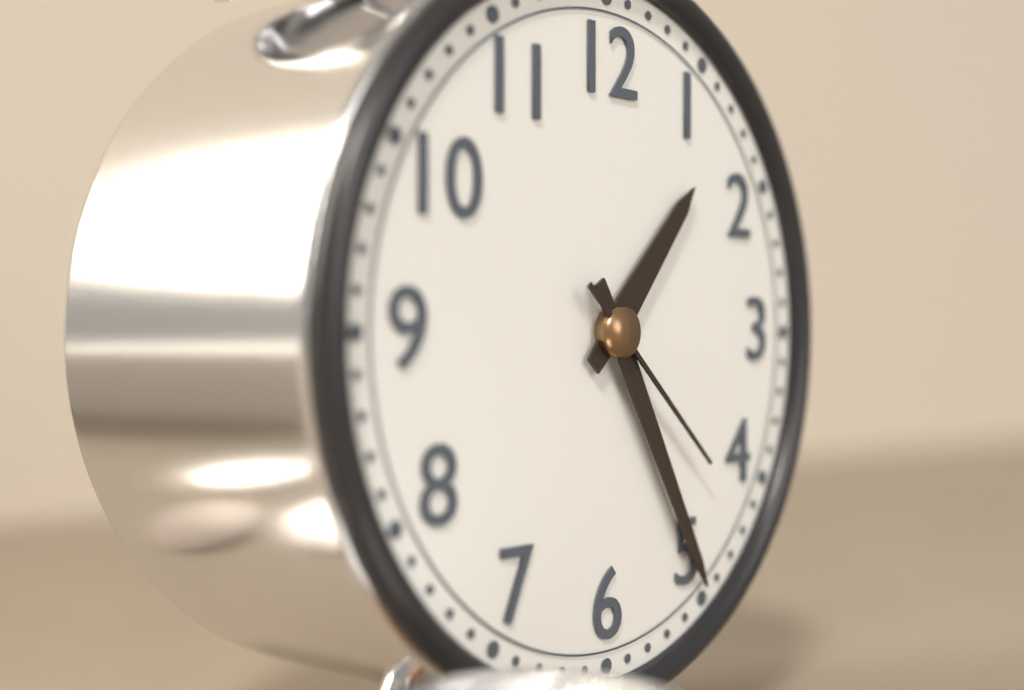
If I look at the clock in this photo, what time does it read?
1:25:22
